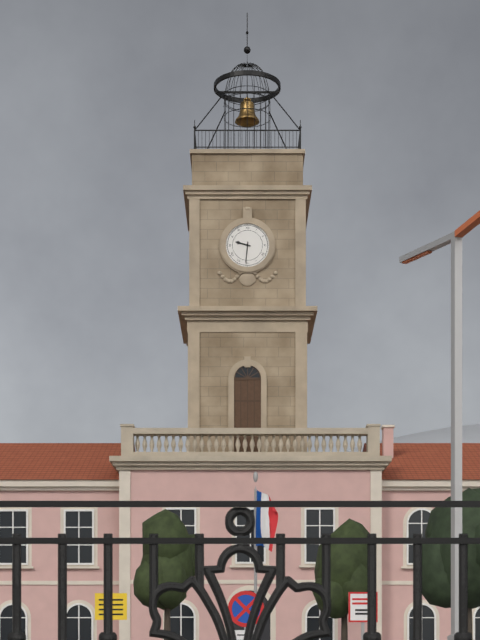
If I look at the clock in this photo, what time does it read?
9:31
